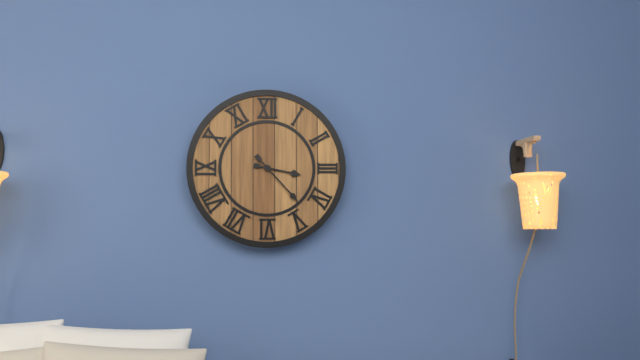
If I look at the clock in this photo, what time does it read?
3:23
